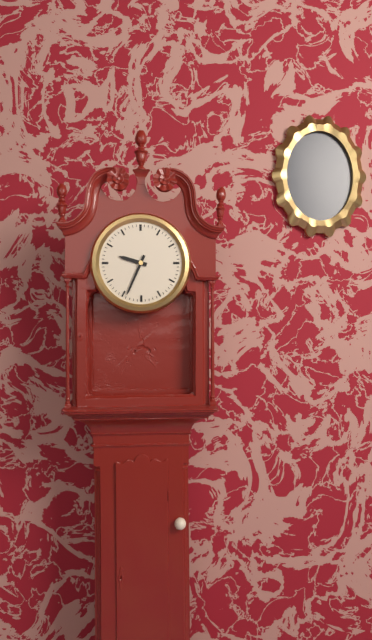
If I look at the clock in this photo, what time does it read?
9:34
